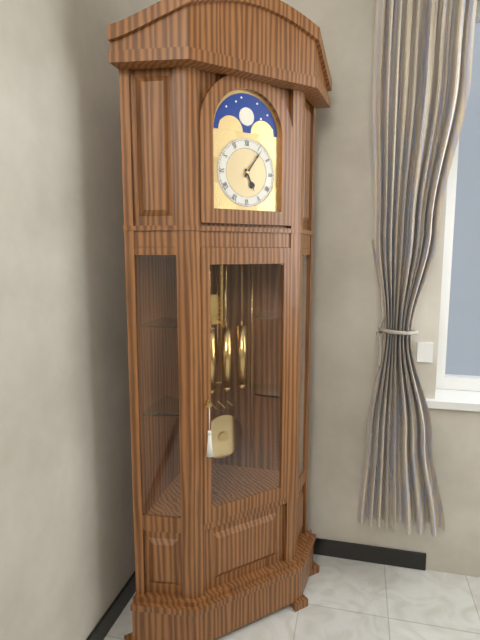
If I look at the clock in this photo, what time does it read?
5:06
